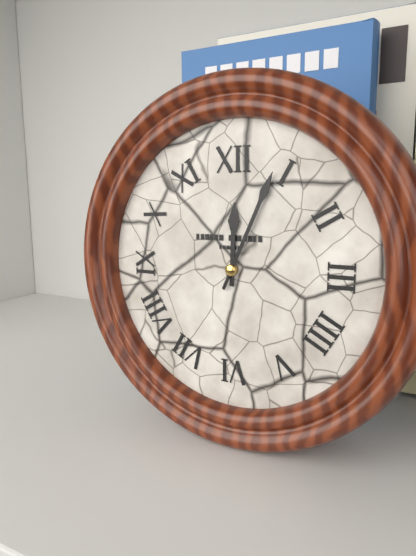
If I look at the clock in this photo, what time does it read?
12:04
